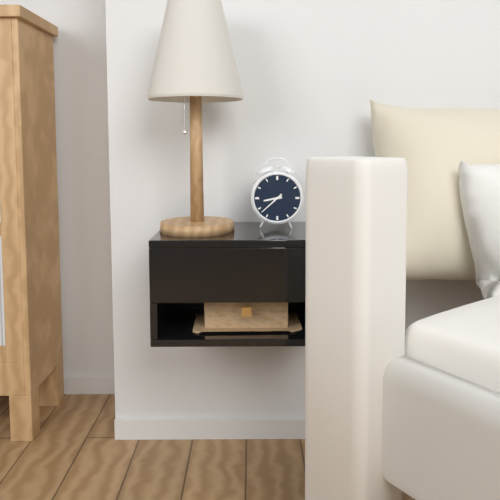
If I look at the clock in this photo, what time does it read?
8:38
